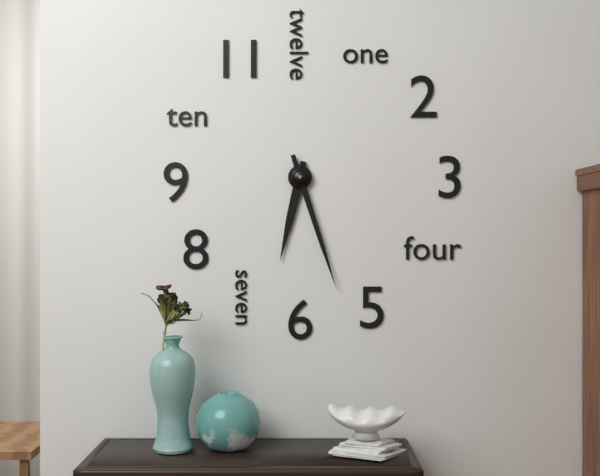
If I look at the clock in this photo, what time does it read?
6:27
